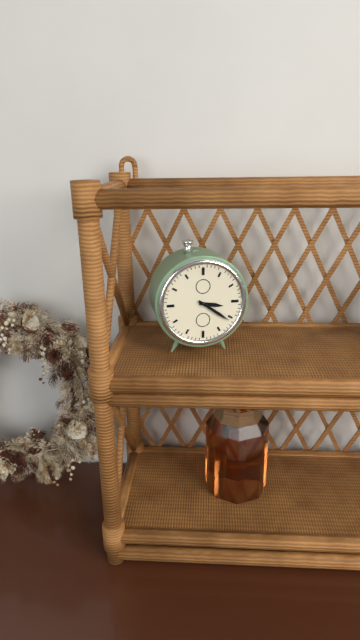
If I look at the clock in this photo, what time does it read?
3:21
